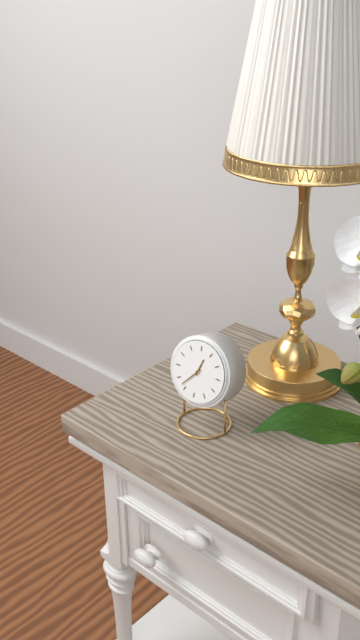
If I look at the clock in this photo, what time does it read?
12:37
